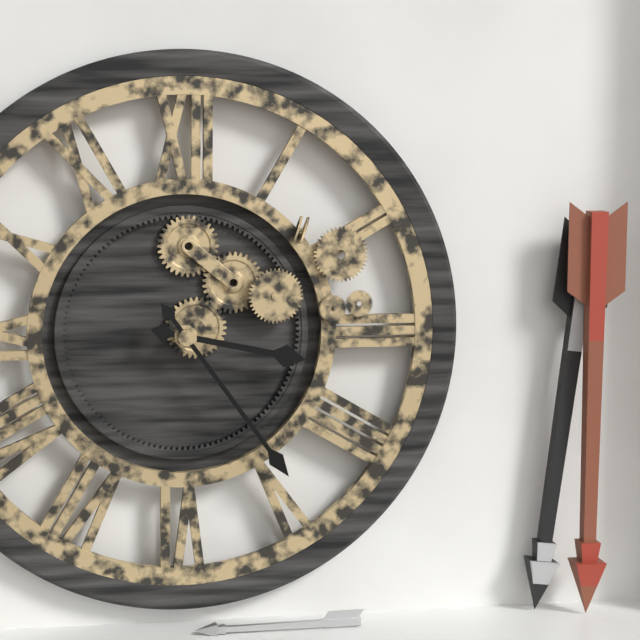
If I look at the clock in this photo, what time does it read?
3:24
